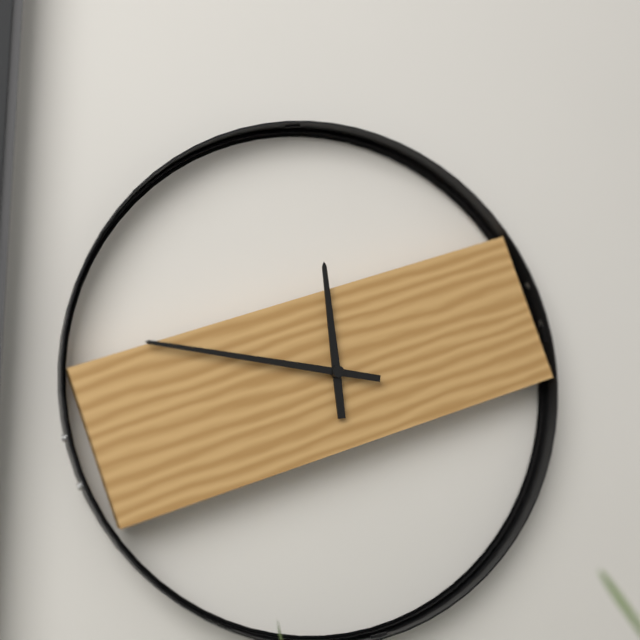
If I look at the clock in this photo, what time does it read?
11:46
